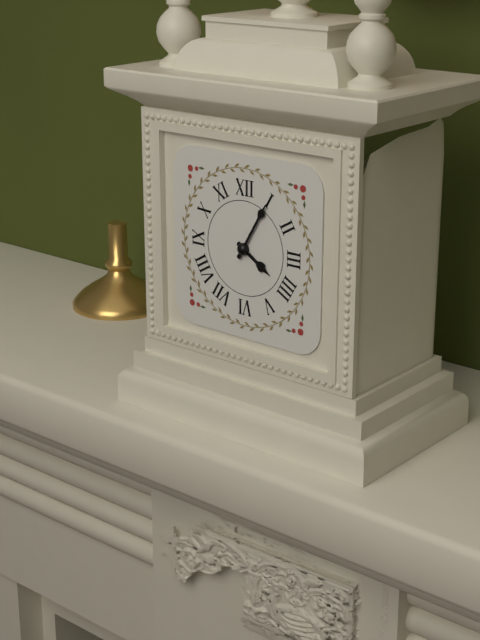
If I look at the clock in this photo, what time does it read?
4:05
